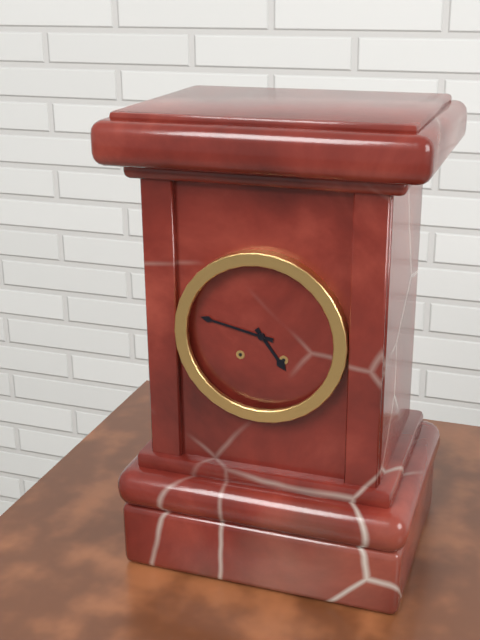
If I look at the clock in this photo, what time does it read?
4:47
